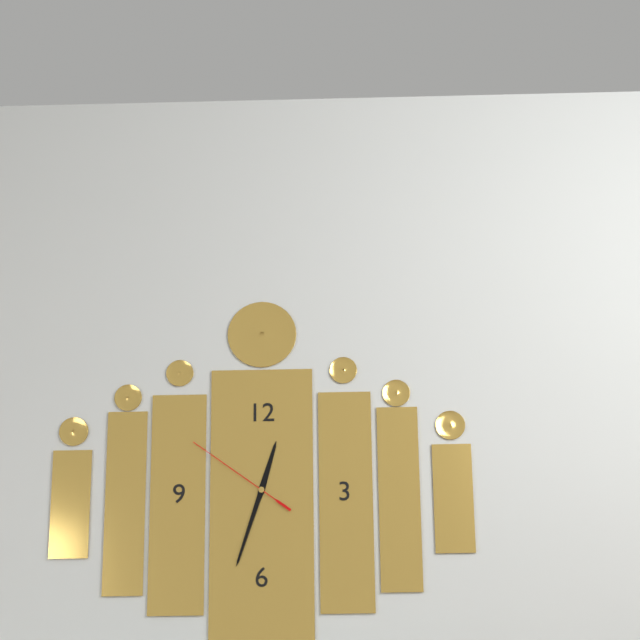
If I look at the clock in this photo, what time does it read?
12:33:51
